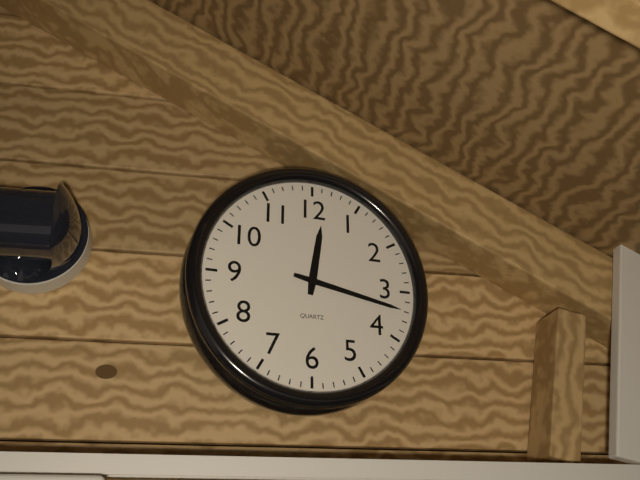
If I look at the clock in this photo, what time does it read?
12:17
